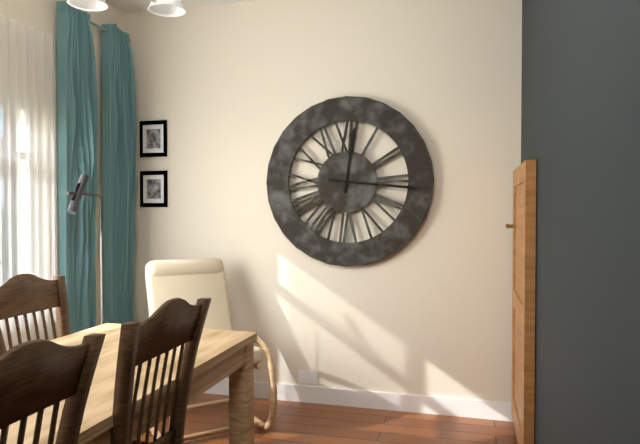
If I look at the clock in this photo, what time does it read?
12:16
